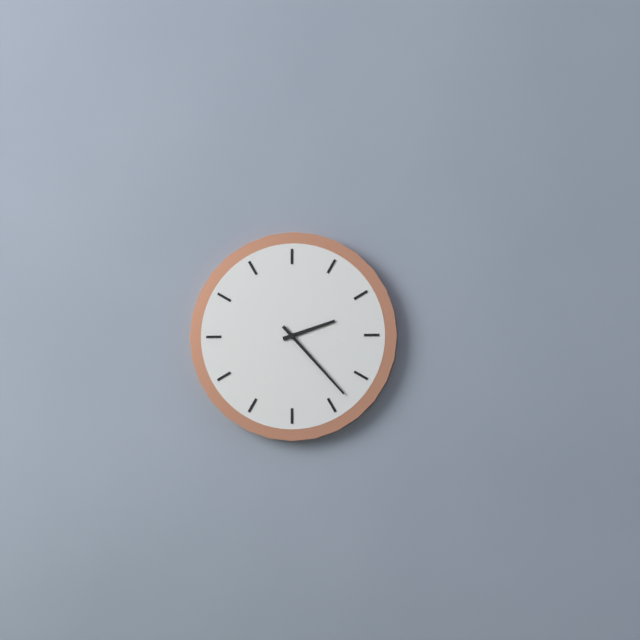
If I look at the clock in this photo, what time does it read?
2:23
